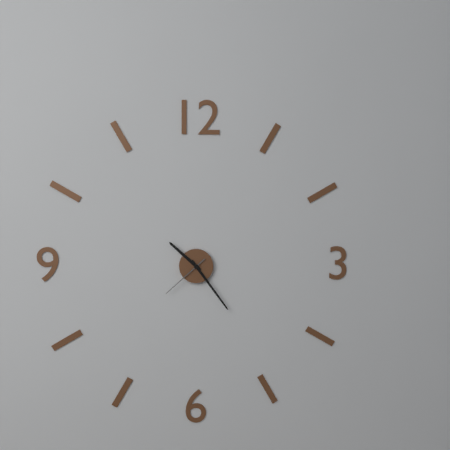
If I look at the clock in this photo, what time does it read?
10:24:38
